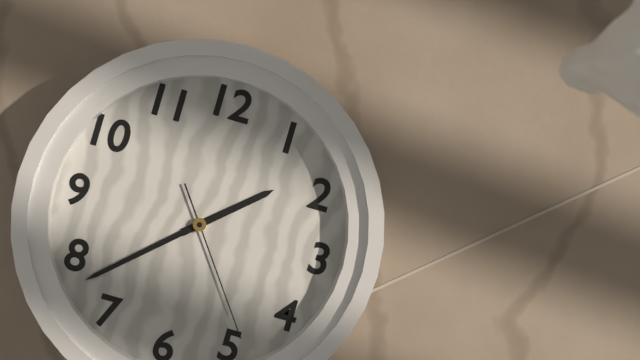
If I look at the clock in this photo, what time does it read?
1:38:24
